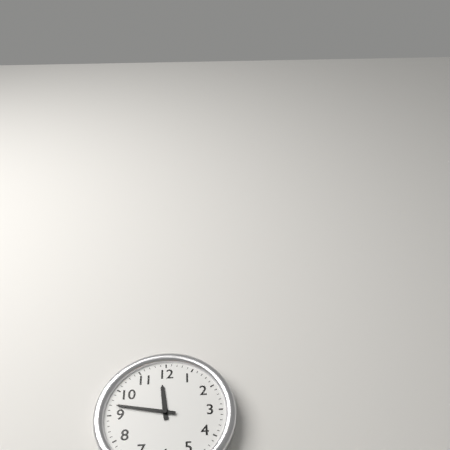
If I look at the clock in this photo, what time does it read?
11:47
